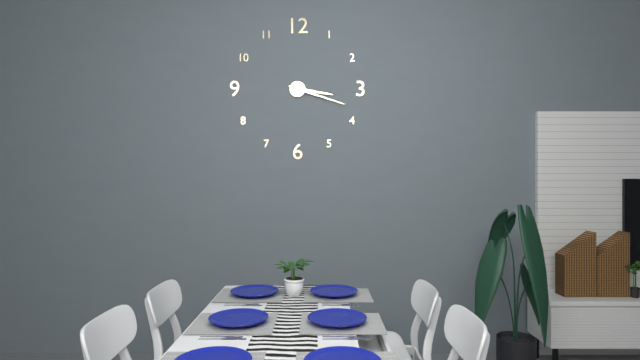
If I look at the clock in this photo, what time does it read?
3:18
